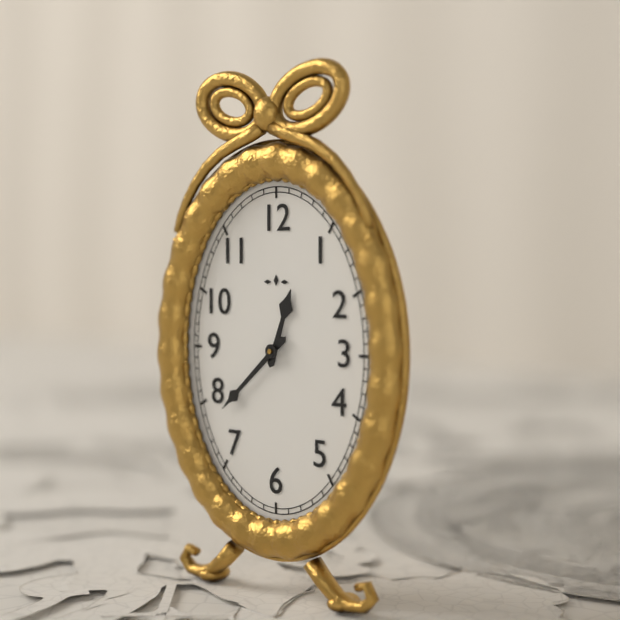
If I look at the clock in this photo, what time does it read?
12:38
